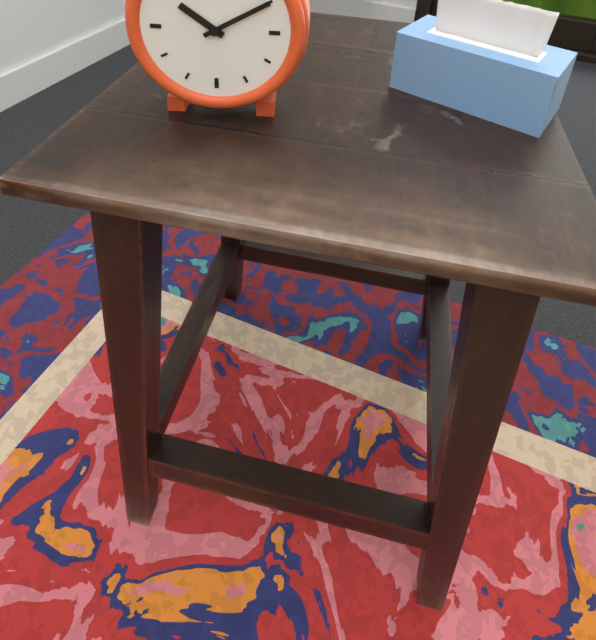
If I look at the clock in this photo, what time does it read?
10:10
